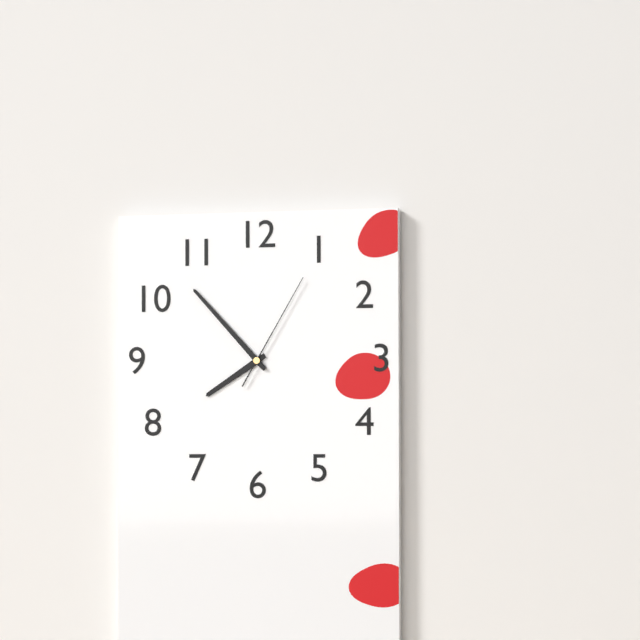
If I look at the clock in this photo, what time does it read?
7:53:05
